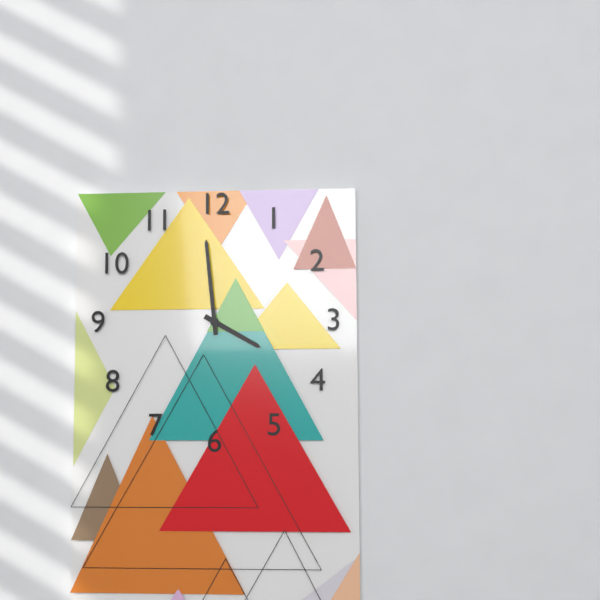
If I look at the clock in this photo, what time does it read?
3:59
